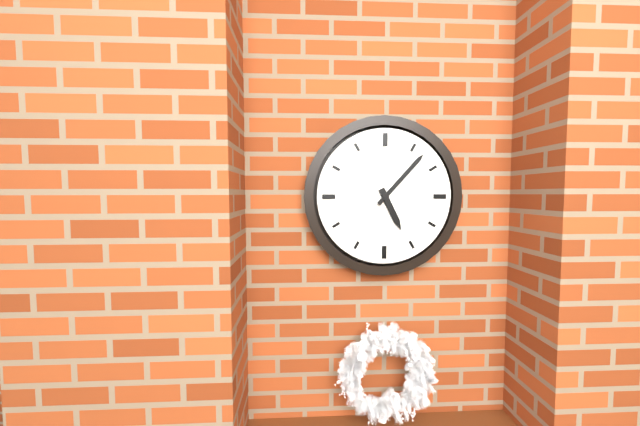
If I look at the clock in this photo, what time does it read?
5:07
